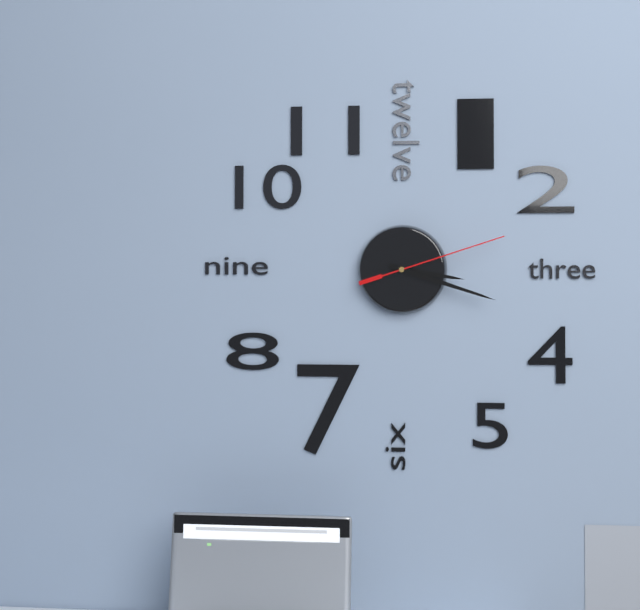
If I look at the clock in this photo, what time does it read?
3:18:12
